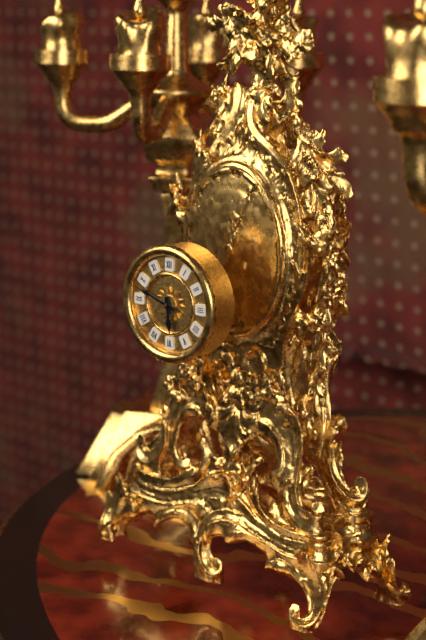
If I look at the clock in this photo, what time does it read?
5:48
